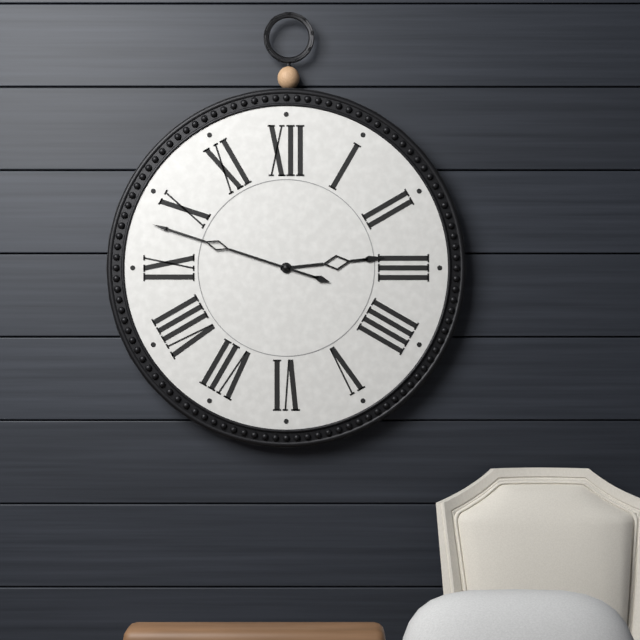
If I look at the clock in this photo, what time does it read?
2:48
